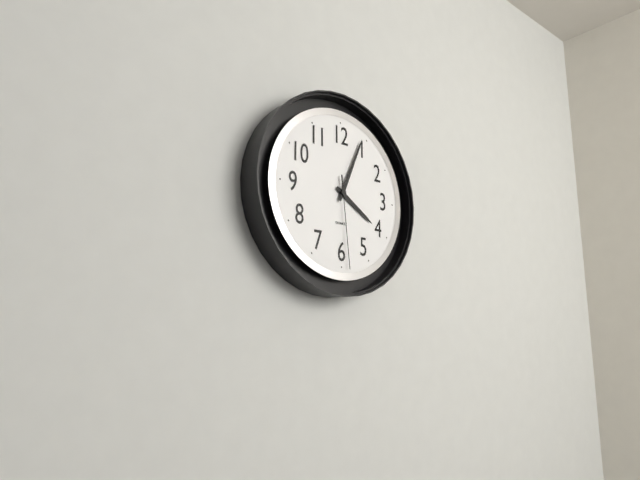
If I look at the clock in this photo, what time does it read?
4:04:29
